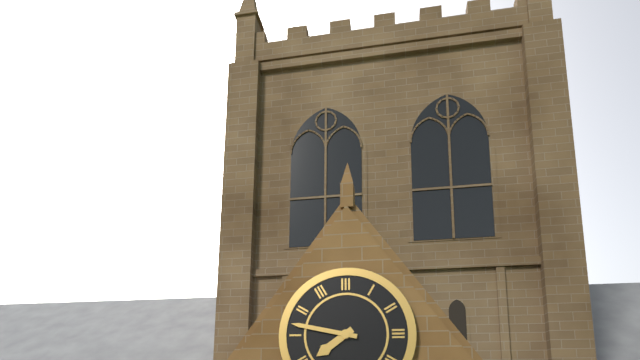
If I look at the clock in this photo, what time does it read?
7:47
